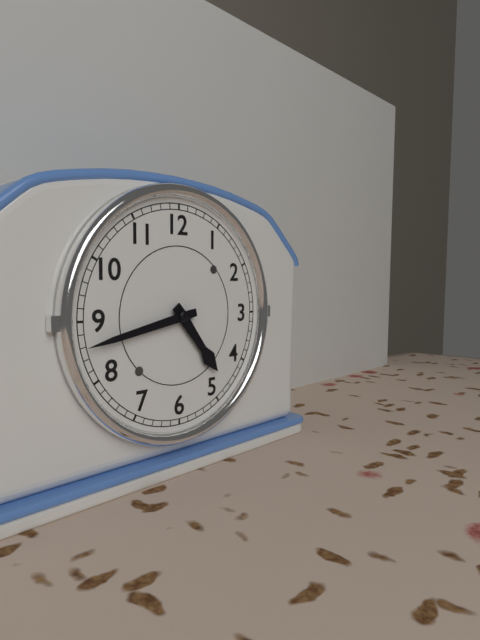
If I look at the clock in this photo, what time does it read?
4:43
